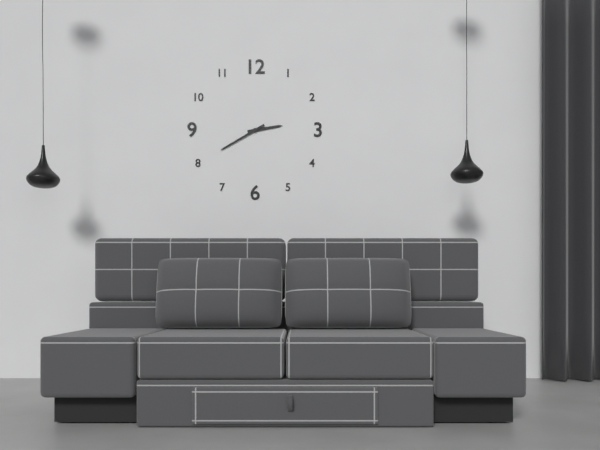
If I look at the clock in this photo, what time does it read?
2:40
